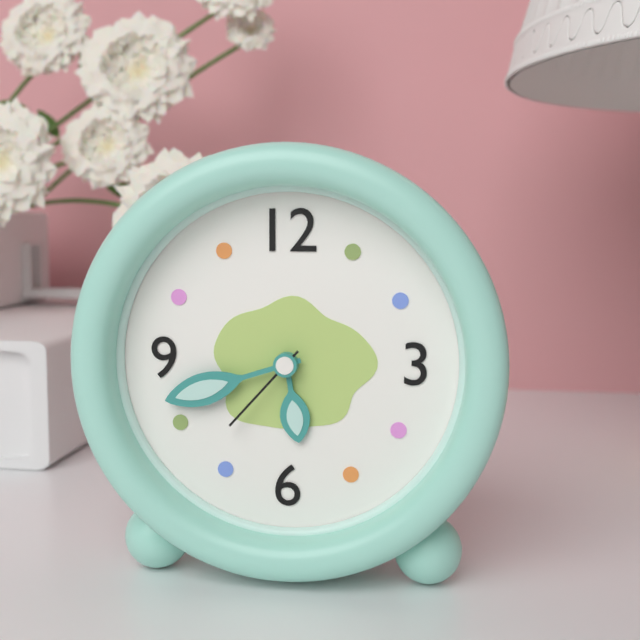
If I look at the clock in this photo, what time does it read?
5:42:37
